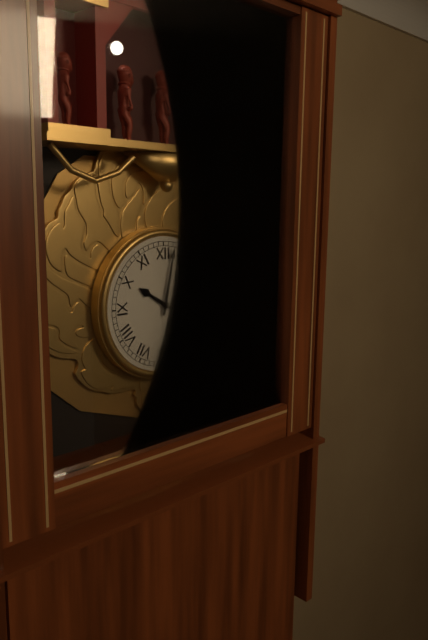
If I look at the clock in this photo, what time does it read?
10:02
